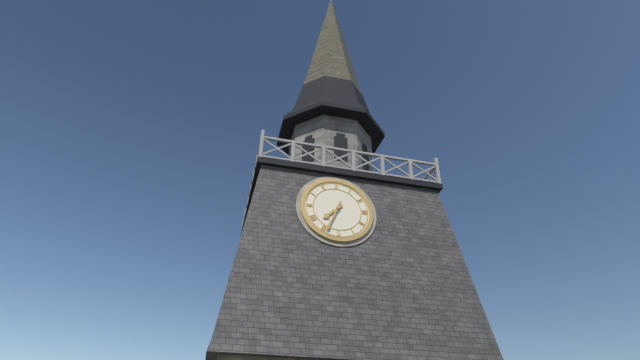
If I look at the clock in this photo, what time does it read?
7:34
